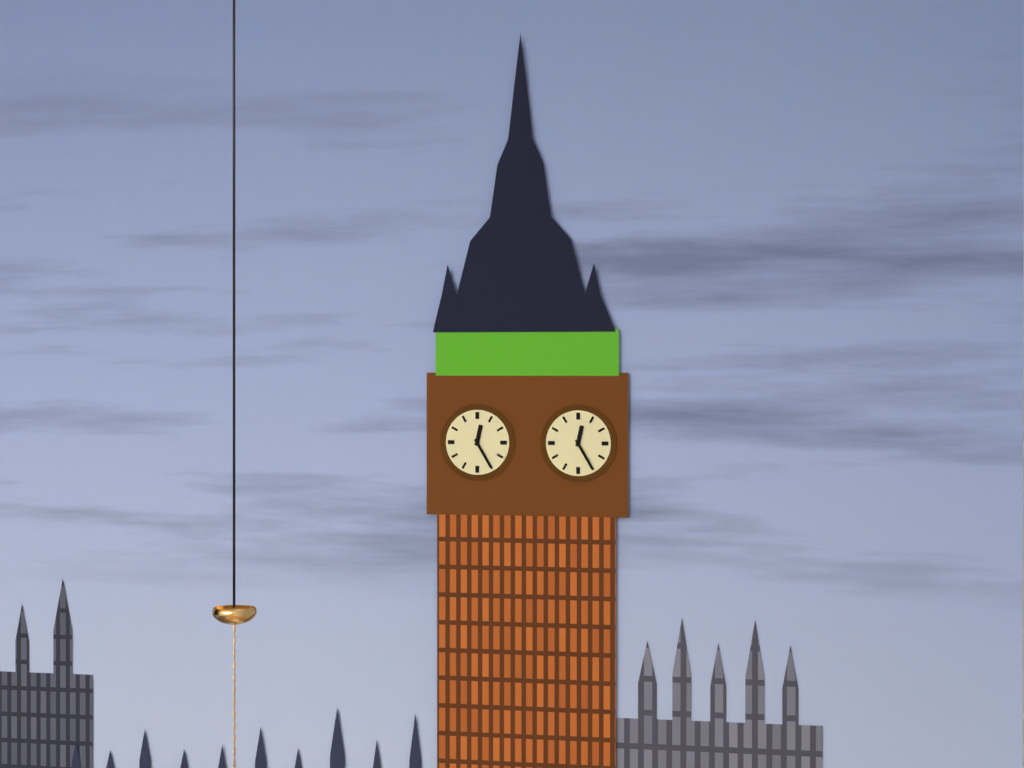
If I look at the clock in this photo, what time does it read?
12:25
